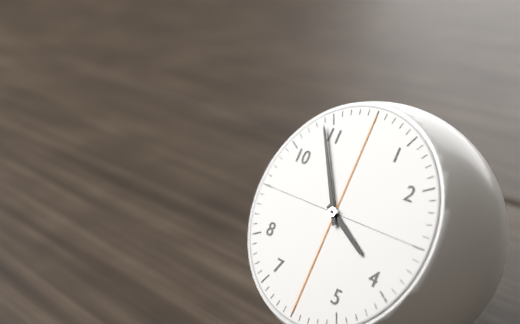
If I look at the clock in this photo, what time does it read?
3:54
